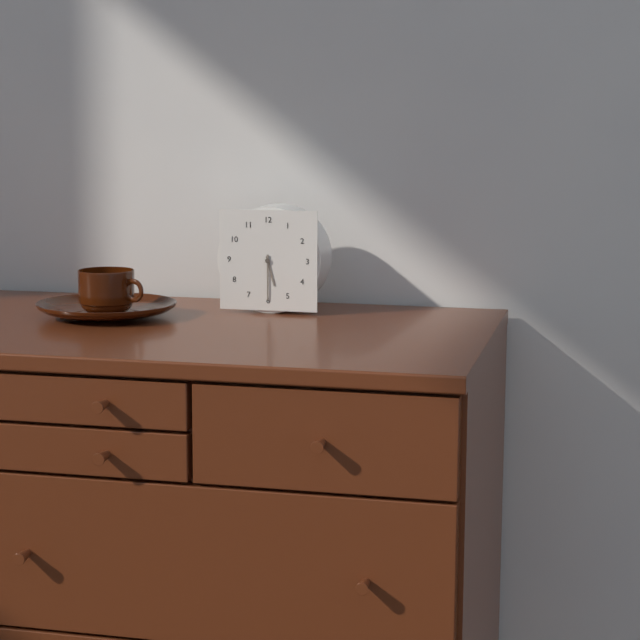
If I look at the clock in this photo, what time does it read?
5:30
